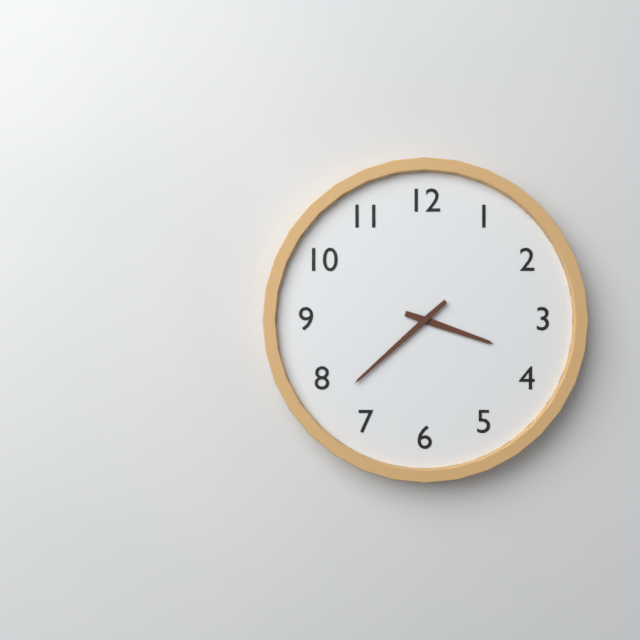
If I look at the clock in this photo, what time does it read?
3:38
